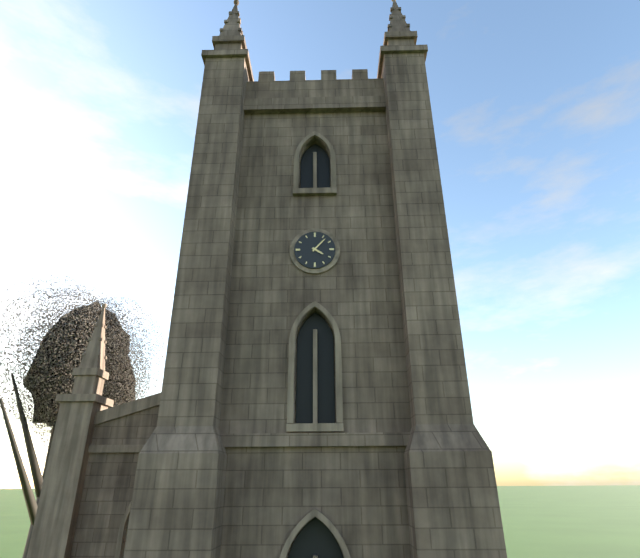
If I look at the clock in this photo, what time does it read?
4:07
